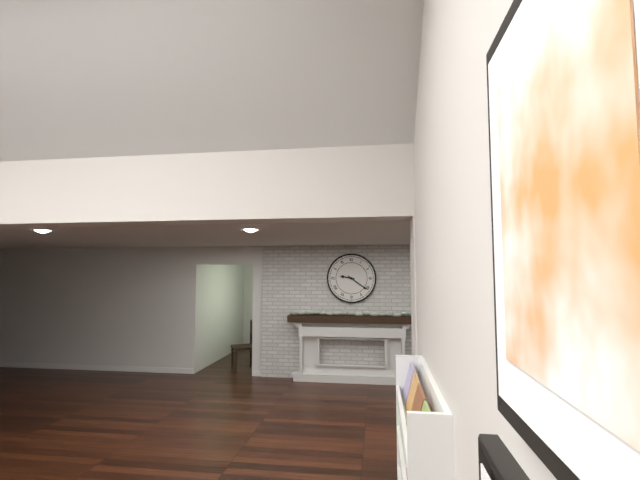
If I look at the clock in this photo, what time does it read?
9:21
